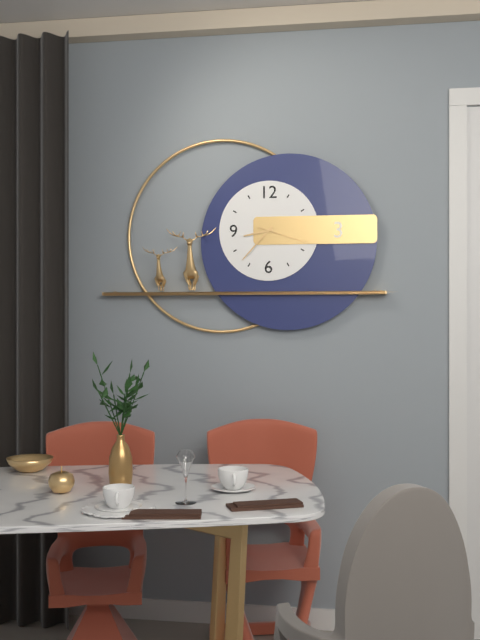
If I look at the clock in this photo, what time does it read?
8:37:18
